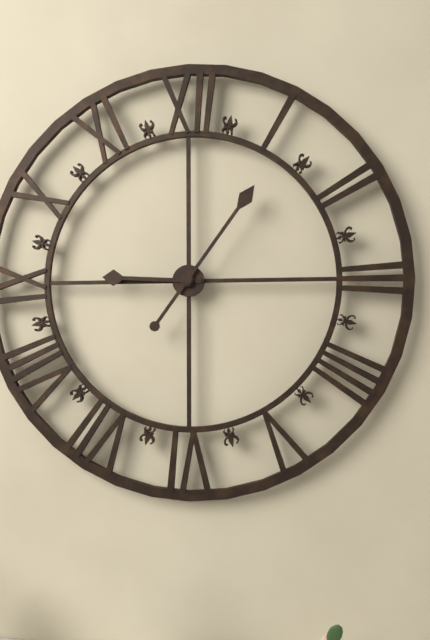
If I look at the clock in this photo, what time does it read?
9:06
